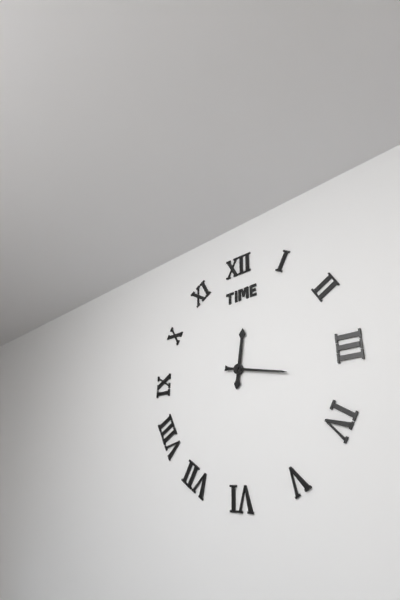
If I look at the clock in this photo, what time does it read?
12:17
